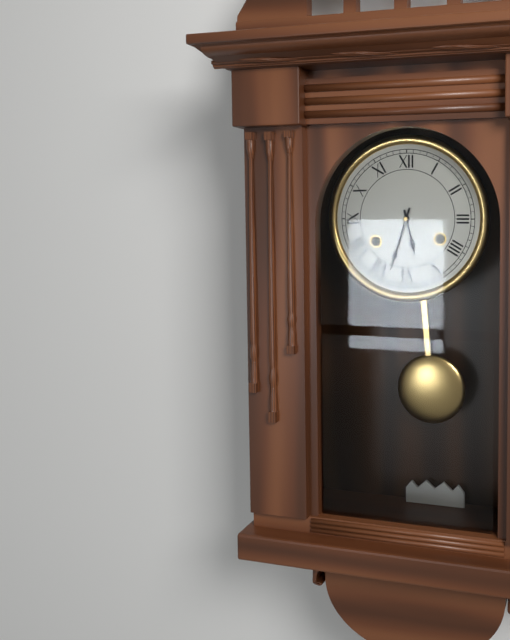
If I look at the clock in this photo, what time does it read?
5:33
